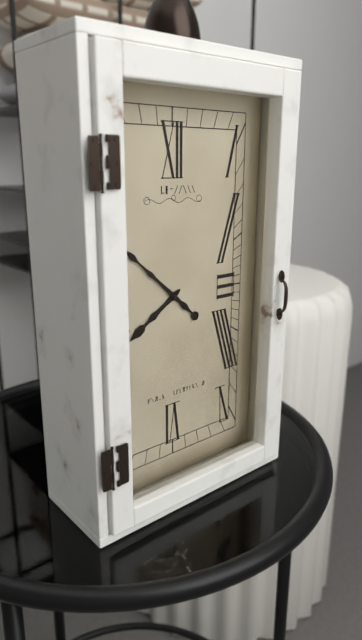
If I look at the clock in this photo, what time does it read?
7:52
